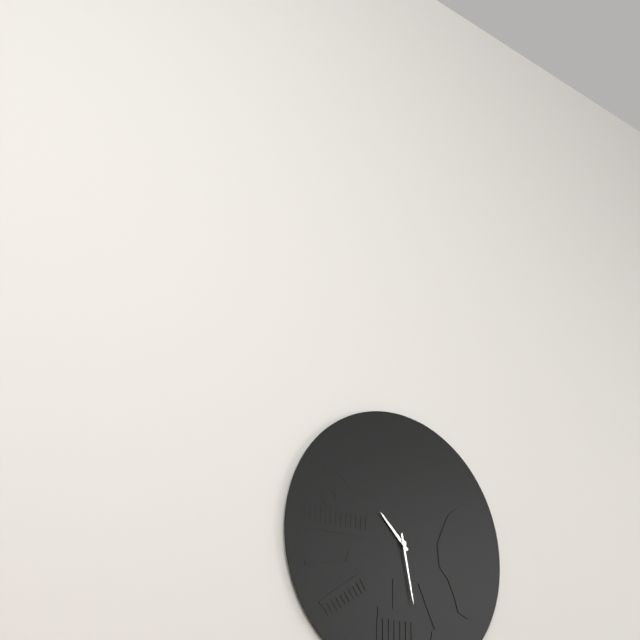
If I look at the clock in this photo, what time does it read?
10:28
